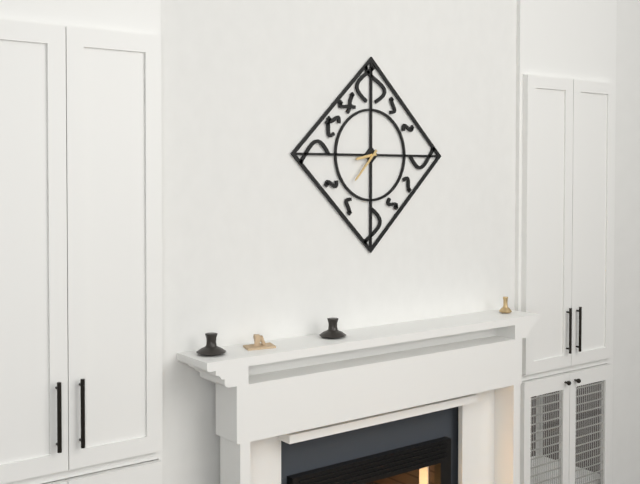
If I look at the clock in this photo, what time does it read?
8:37
